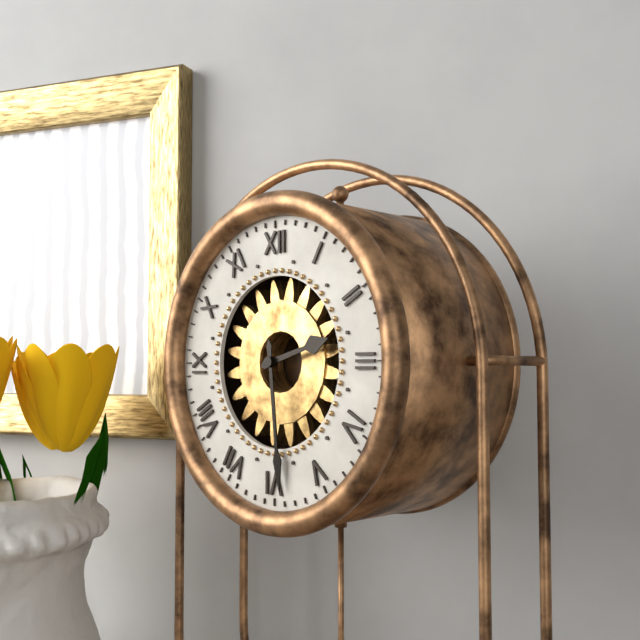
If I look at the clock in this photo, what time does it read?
2:29
